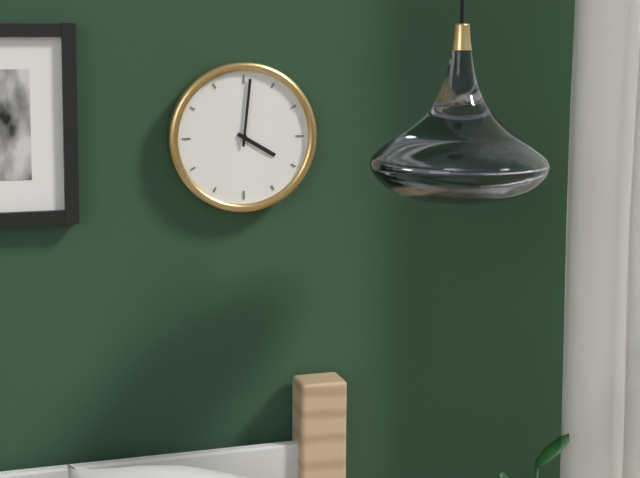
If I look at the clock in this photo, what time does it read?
4:01
